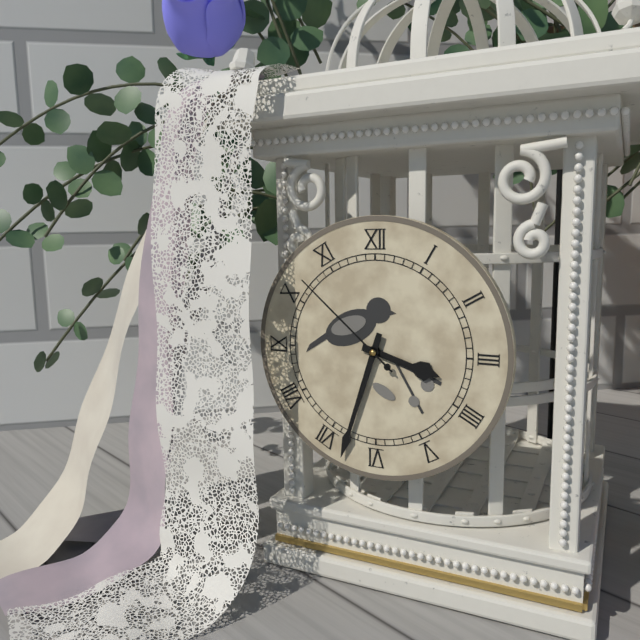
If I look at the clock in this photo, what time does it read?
3:33:52
